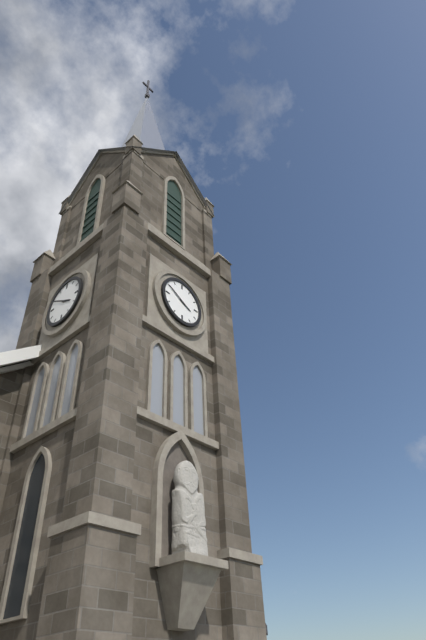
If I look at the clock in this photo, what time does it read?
3:50
